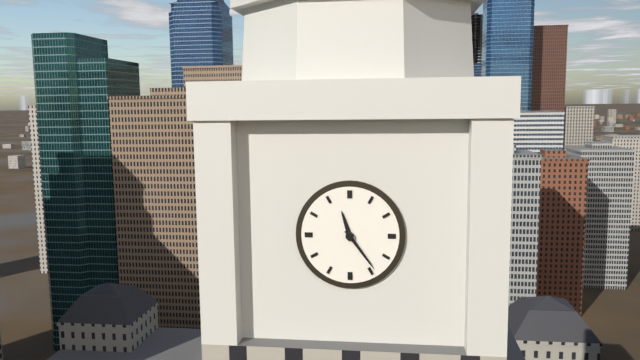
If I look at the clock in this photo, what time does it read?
11:24
